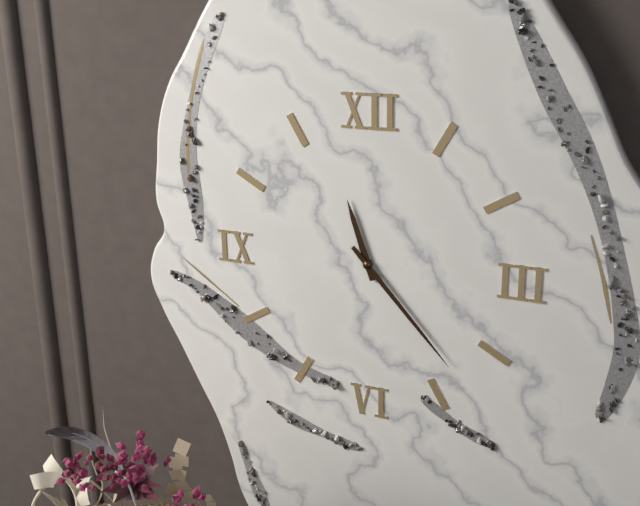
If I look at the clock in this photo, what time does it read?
11:23
